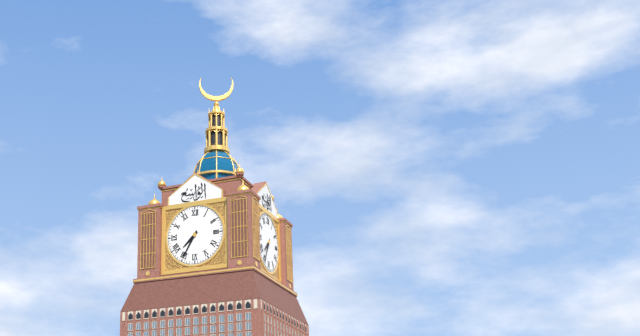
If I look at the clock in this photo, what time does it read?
7:35
